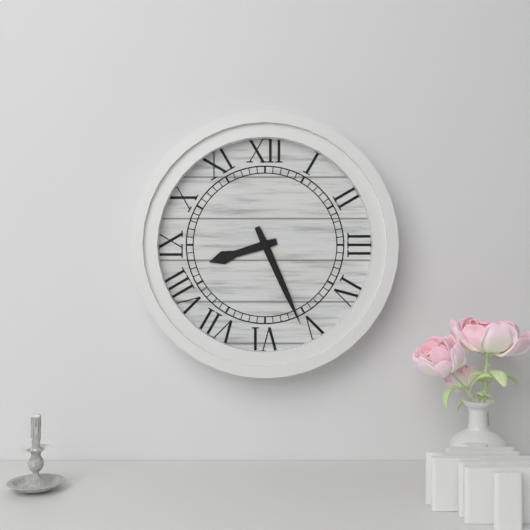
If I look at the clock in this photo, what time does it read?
8:26
